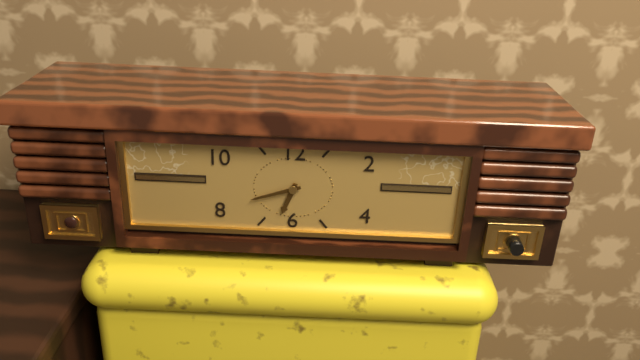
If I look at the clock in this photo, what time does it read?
6:42
